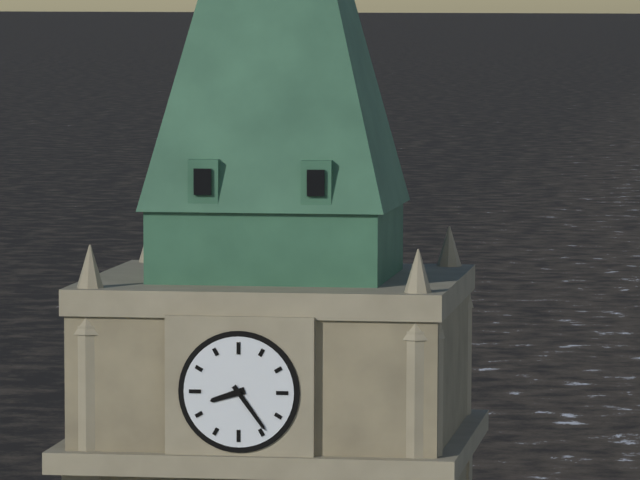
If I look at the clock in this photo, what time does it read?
8:24
